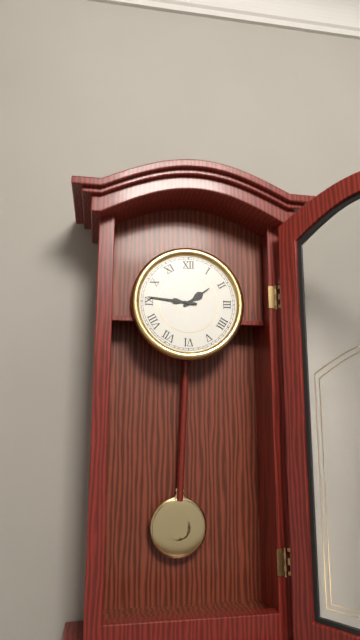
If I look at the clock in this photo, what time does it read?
1:46
